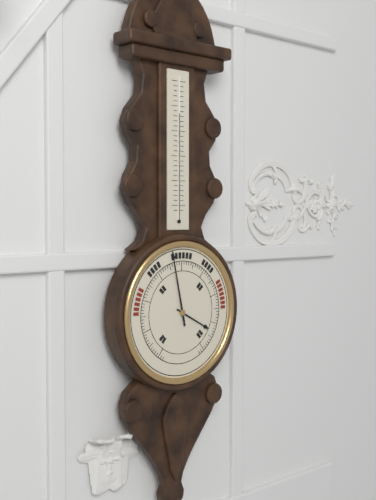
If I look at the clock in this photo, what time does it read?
3:58
